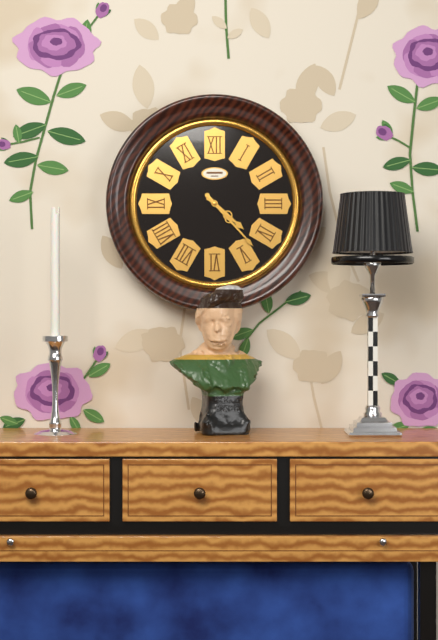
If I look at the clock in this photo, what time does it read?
4:23
